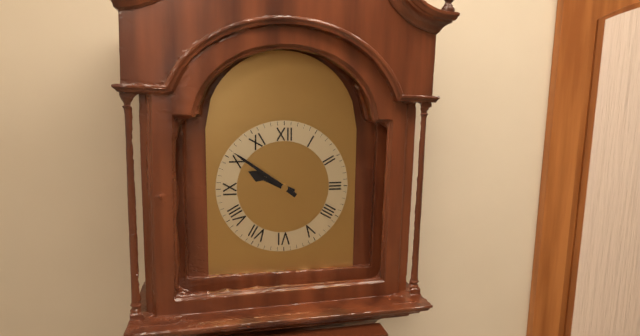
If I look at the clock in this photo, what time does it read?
9:51
